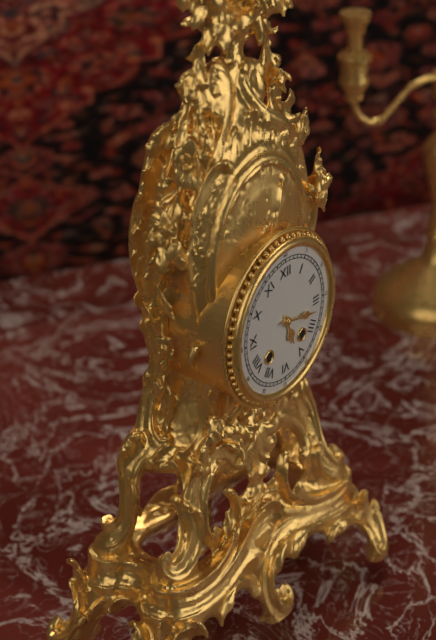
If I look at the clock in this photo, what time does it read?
5:17
